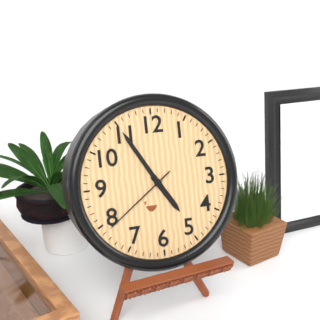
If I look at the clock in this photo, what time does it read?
4:55:39
